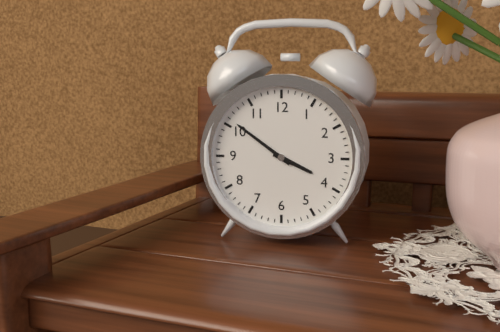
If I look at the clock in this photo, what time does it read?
3:51
